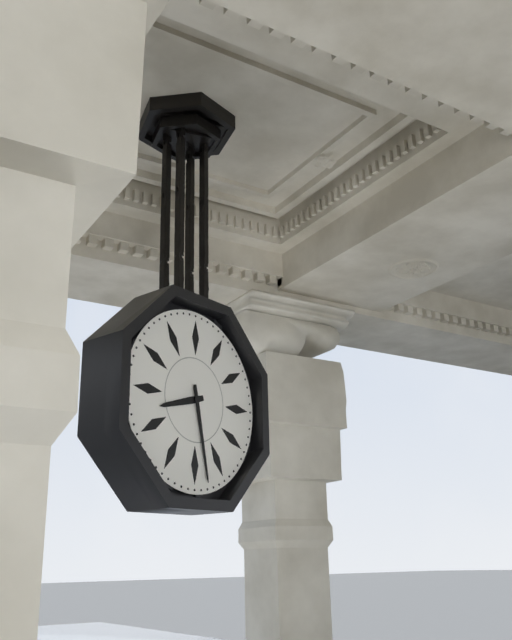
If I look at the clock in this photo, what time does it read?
8:28
